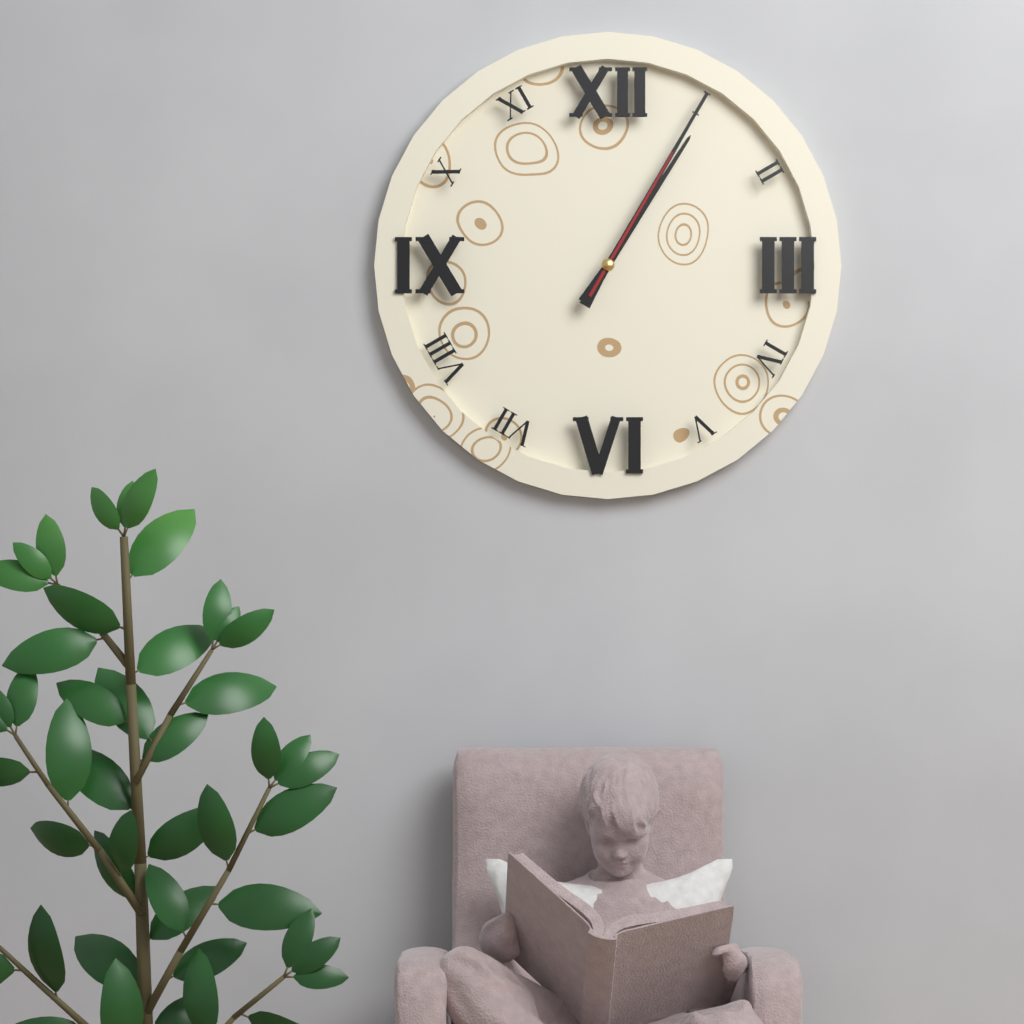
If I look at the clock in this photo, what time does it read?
1:05:05
